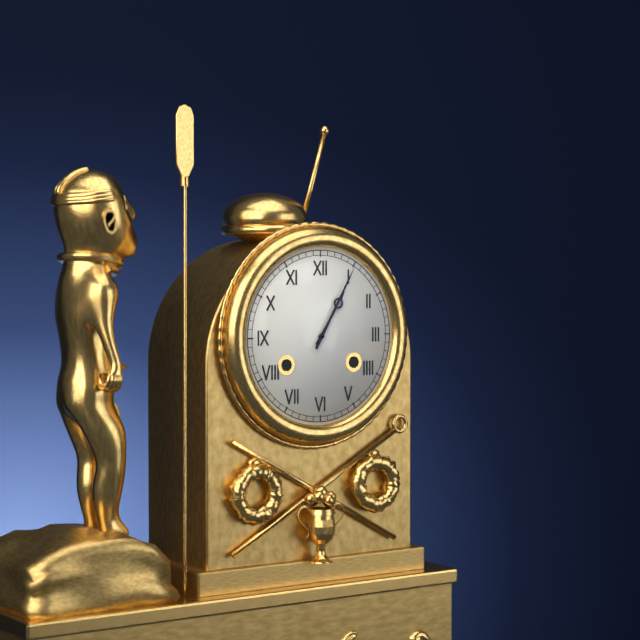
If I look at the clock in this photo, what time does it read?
1:05
